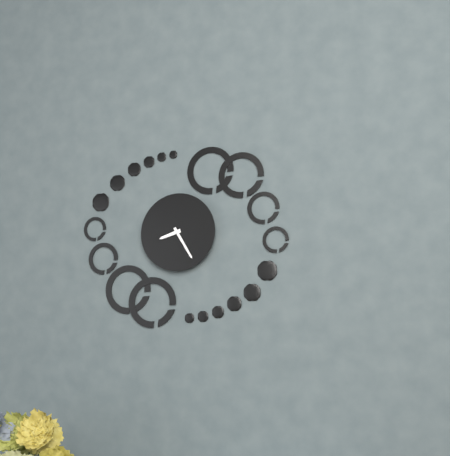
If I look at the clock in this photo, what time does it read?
8:25
